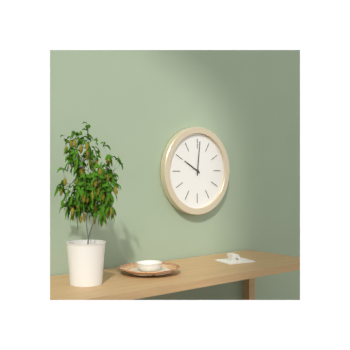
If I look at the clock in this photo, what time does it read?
10:01
